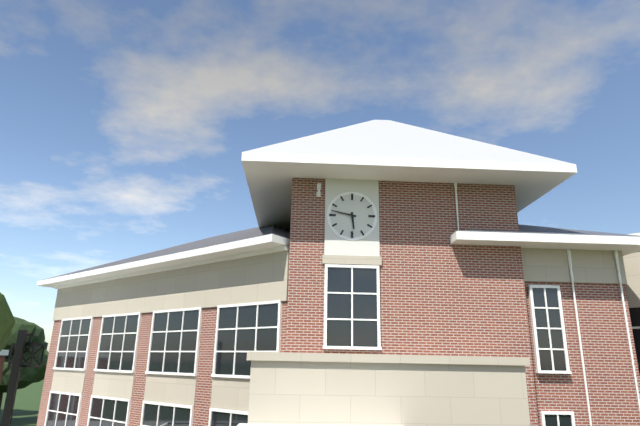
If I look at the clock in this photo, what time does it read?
5:47
